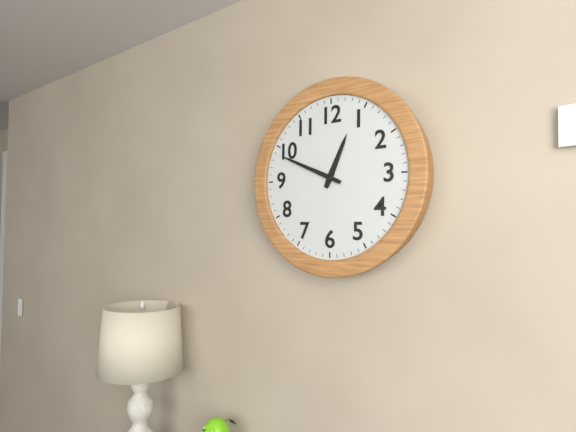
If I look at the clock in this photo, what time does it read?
12:49
